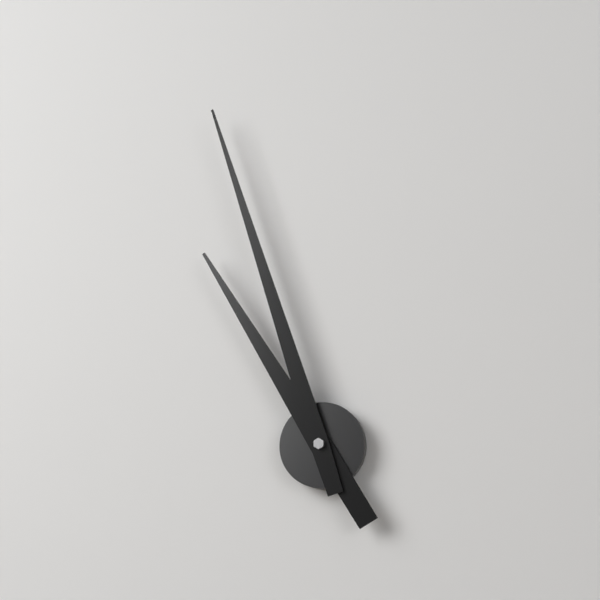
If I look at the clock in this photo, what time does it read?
10:57
